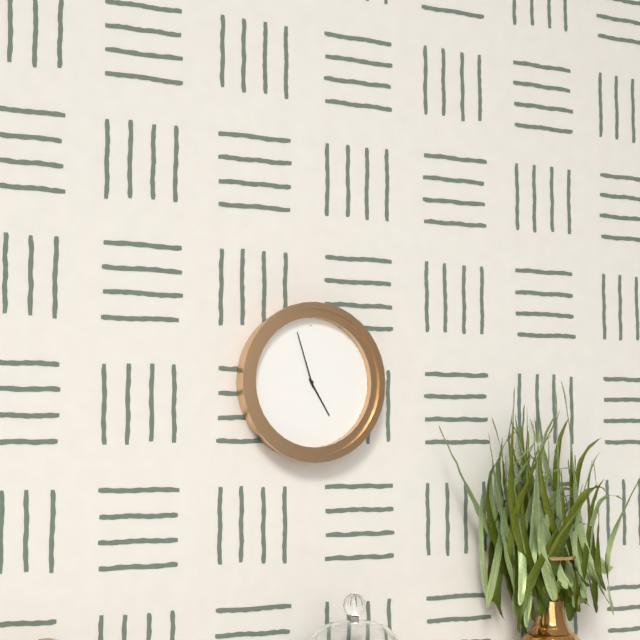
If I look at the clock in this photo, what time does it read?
4:57
